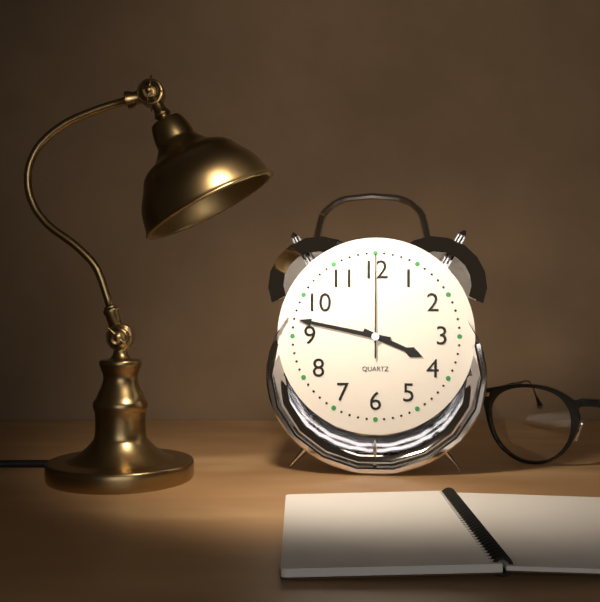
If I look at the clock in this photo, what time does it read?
3:47:00
